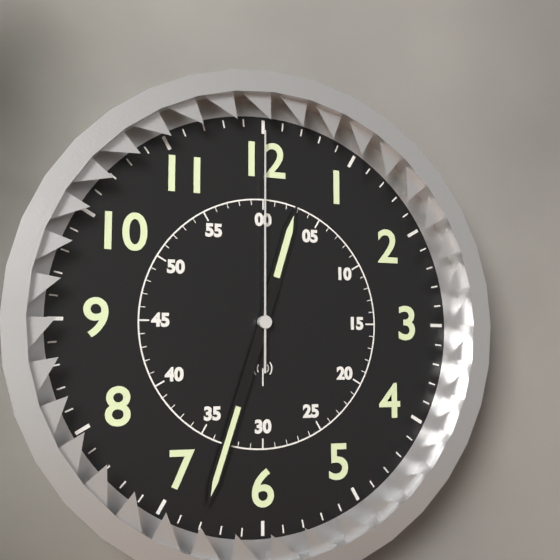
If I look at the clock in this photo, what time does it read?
12:33:00
